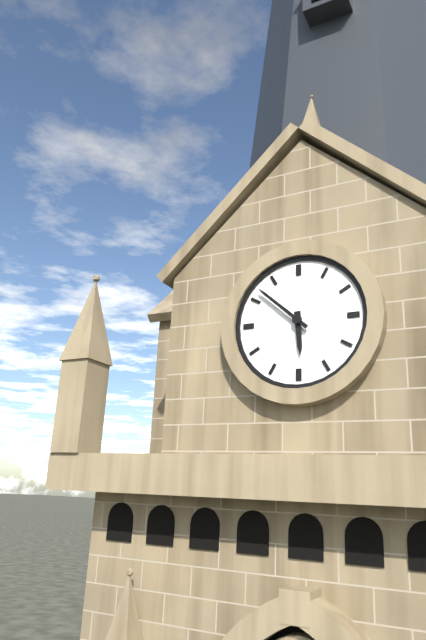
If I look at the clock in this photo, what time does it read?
5:52
